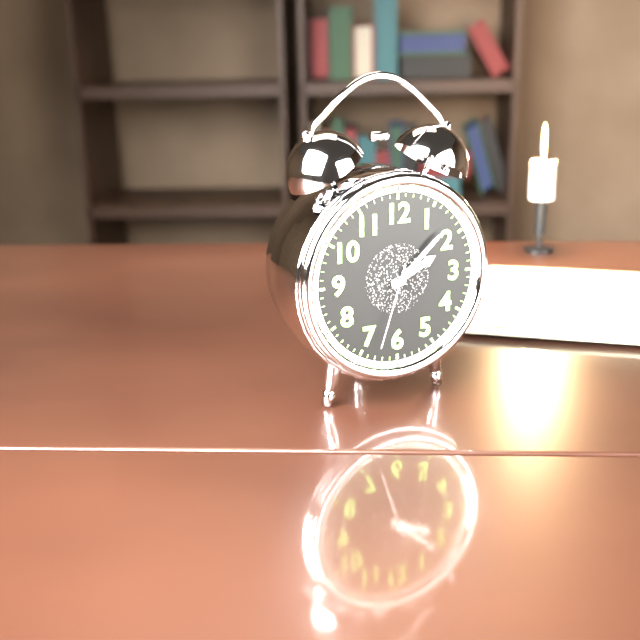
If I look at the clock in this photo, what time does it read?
2:08:33
